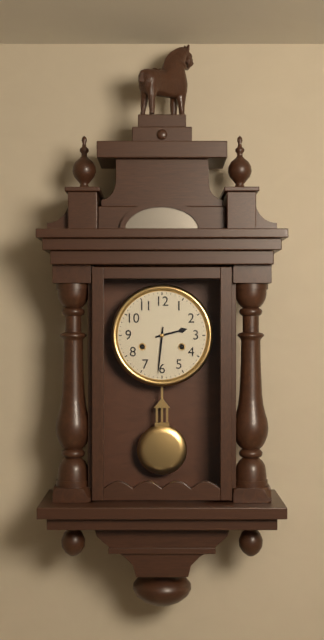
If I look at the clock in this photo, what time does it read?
2:31
